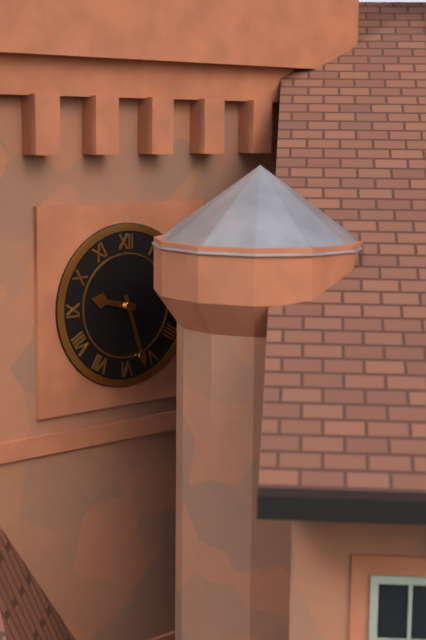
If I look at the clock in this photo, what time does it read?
9:27
